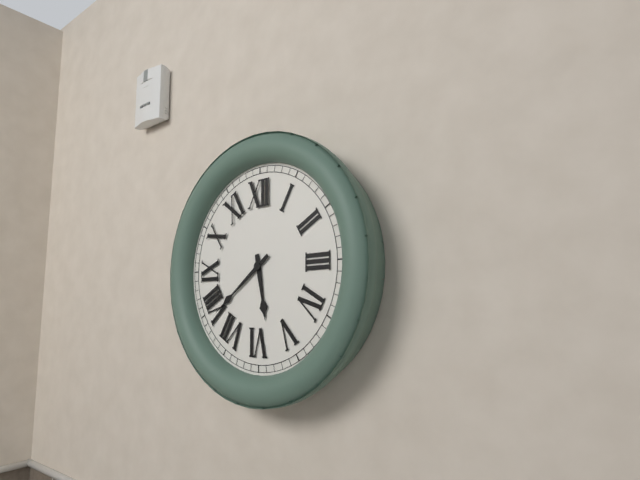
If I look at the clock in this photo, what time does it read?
5:39
